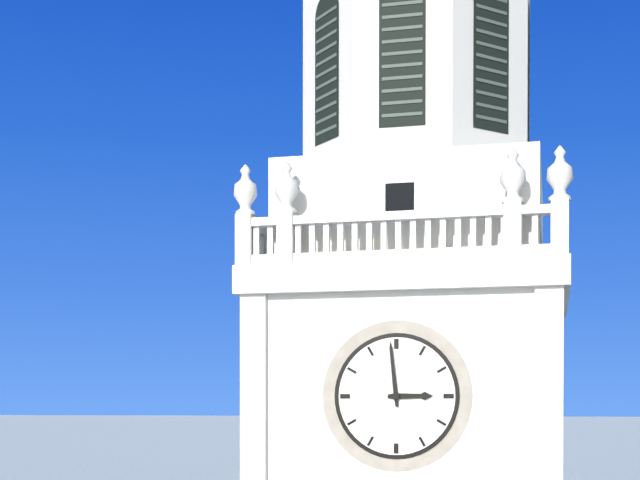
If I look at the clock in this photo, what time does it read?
2:59
